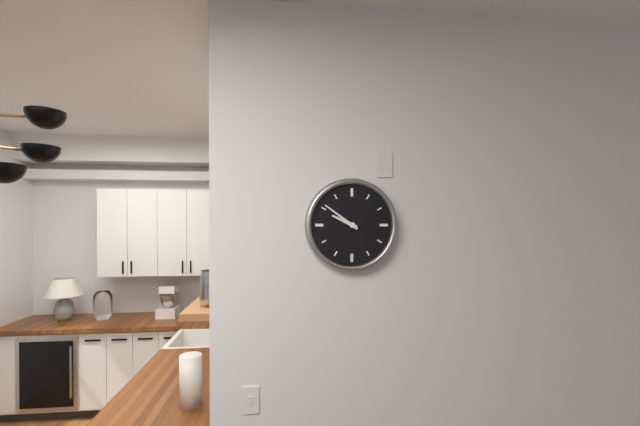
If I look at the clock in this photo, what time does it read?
9:51
